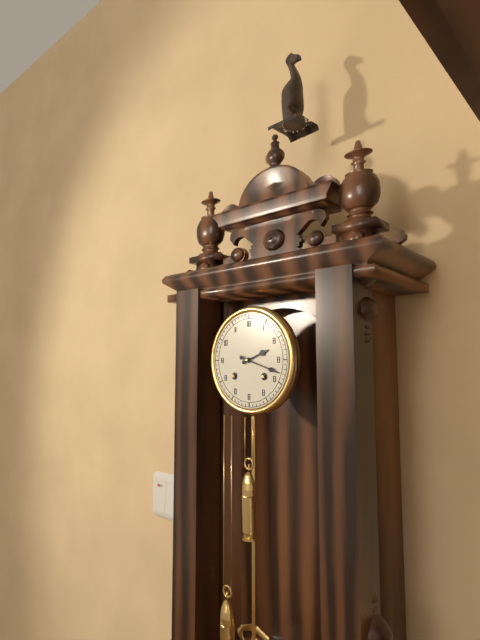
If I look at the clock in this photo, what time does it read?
2:18
